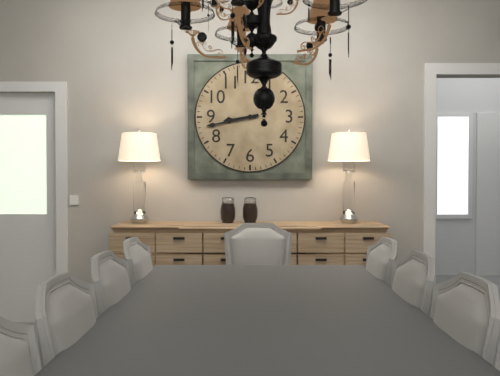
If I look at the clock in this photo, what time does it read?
8:43
